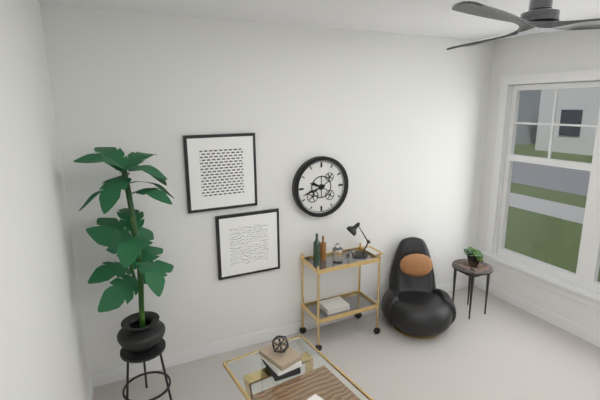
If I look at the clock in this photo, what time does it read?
9:42
